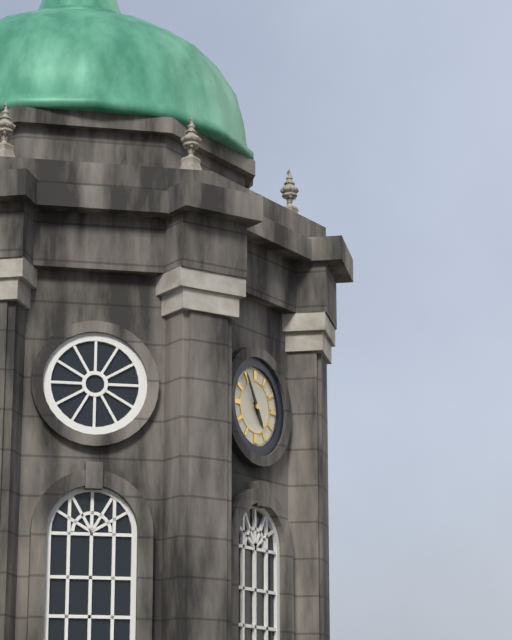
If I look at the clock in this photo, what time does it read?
4:55
